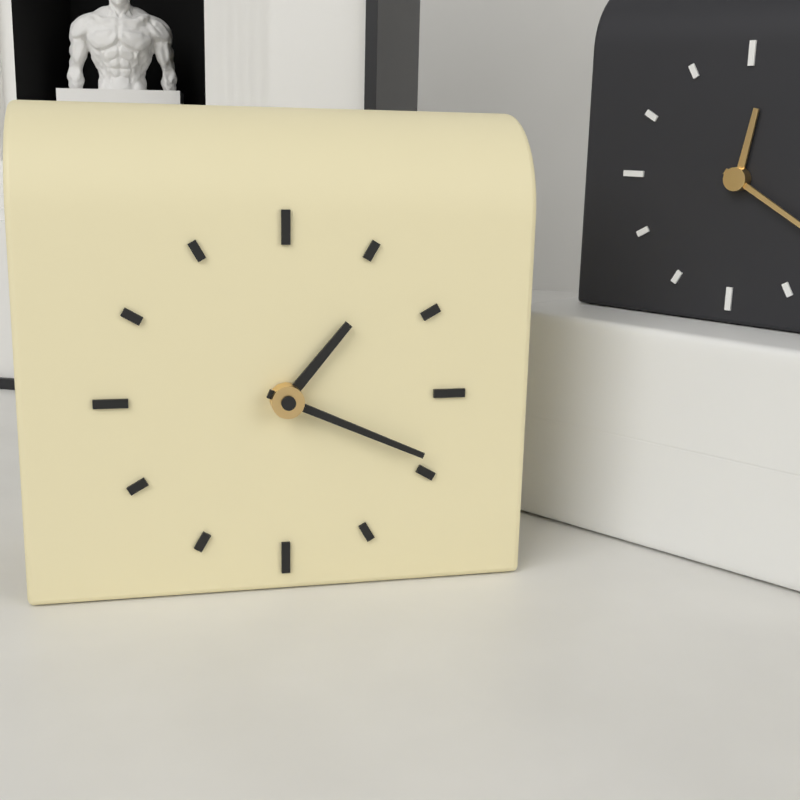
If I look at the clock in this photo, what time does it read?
1:19
